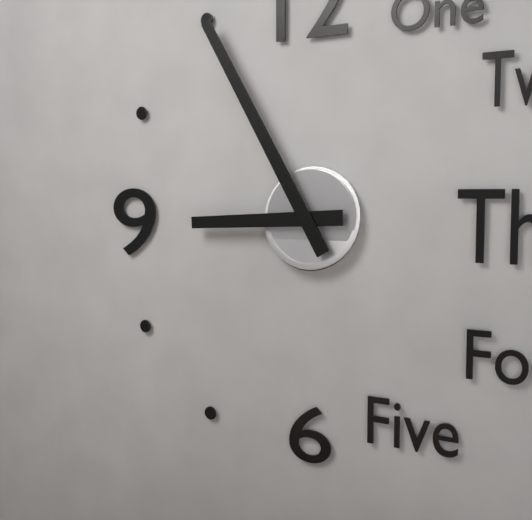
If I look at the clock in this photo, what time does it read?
8:55
